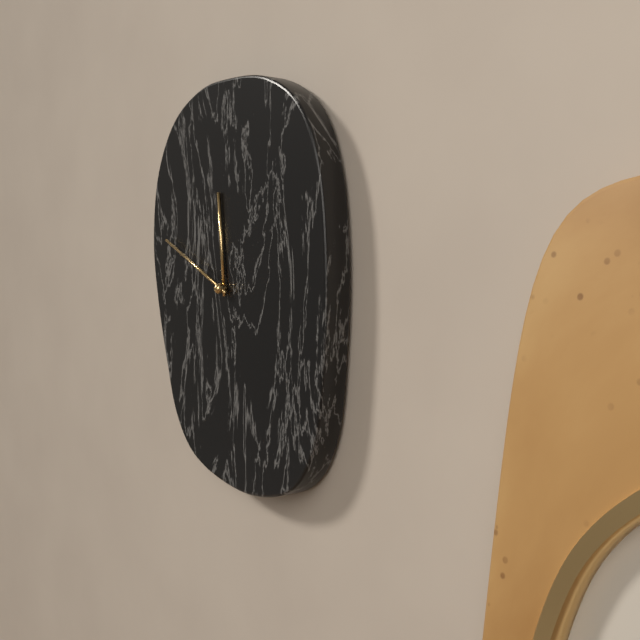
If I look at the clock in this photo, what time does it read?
11:49
